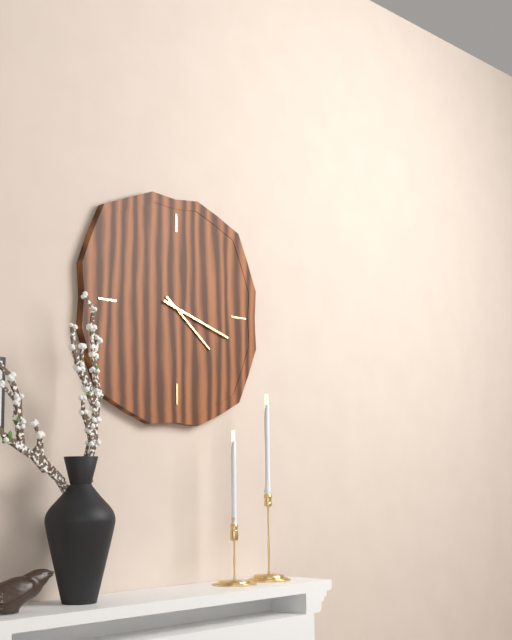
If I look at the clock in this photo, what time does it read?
4:18
